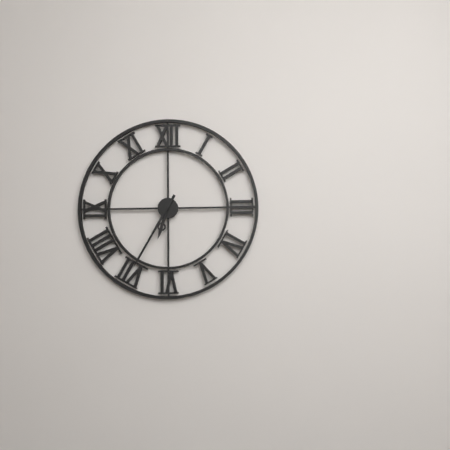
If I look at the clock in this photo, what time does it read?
6:35
